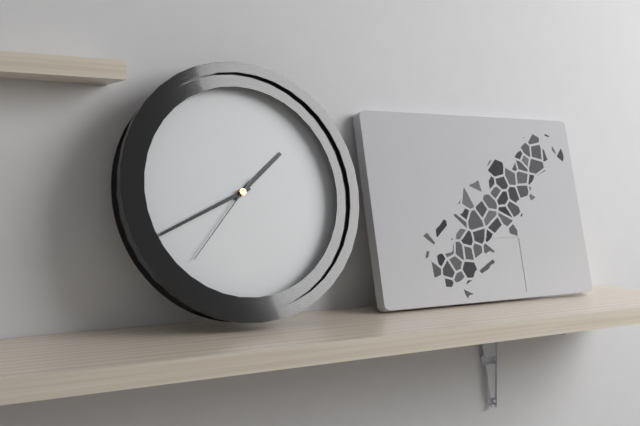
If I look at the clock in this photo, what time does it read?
1:41:37
